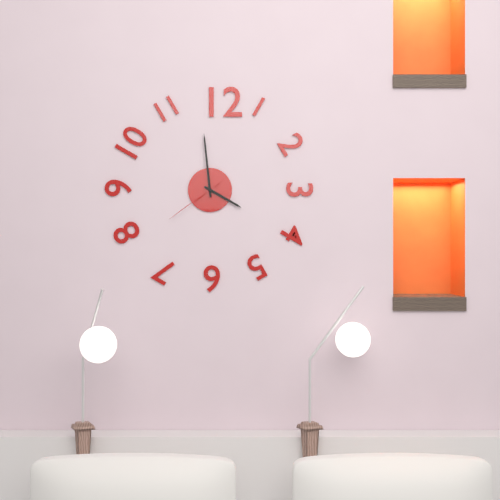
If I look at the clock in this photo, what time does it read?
3:59:39
